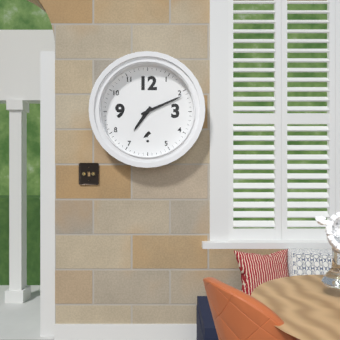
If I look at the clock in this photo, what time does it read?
7:11
